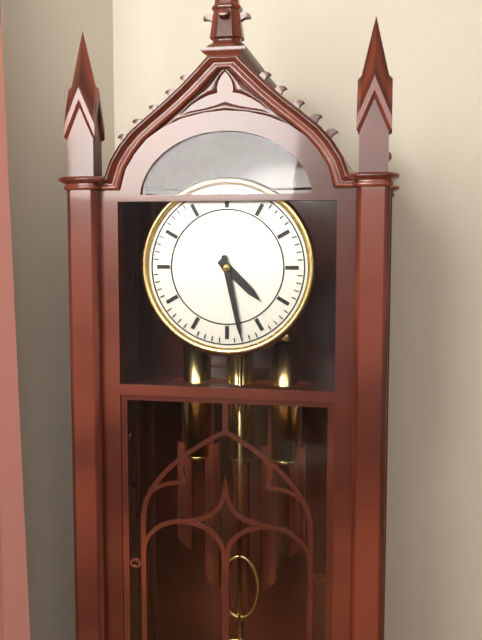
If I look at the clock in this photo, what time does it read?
4:28
